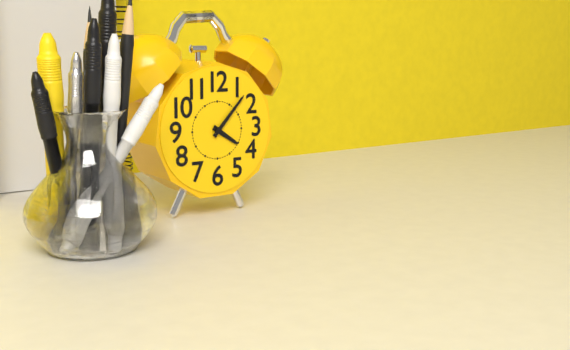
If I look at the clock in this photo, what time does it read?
4:07
